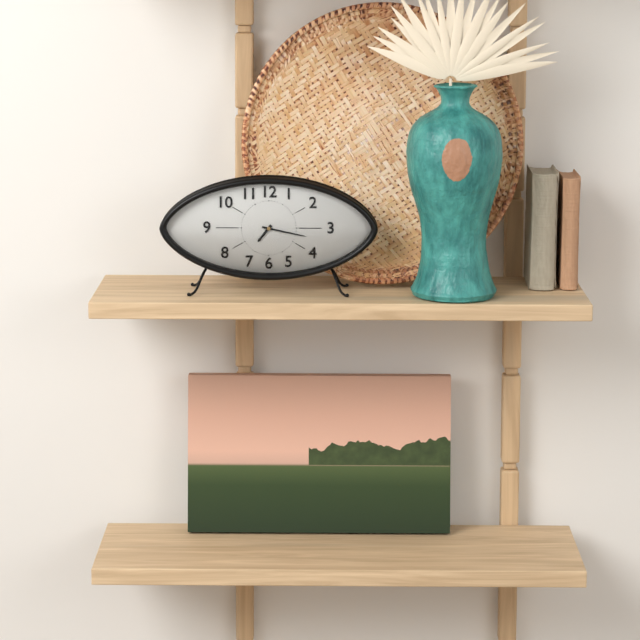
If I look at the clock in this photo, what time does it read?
7:17
